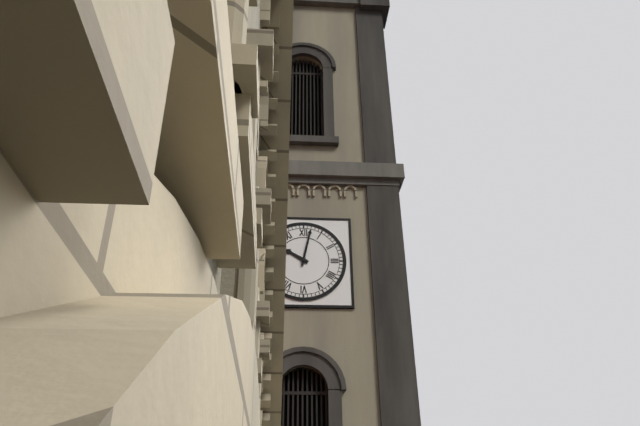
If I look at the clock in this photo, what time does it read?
10:02
